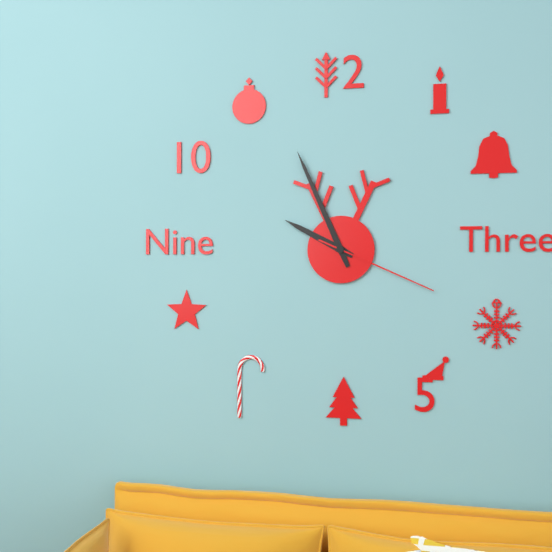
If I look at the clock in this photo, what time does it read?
9:56:19
